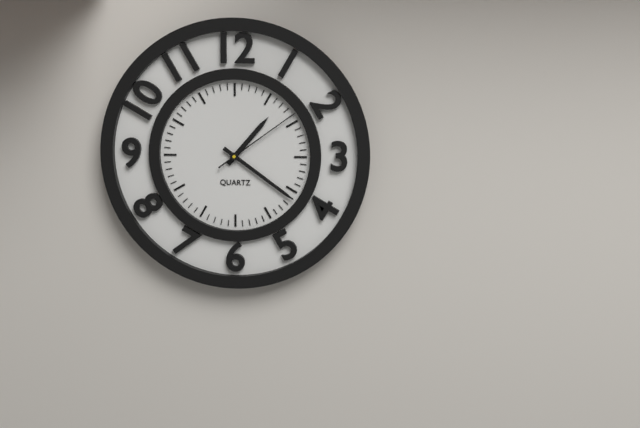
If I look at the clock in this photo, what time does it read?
1:21:09
